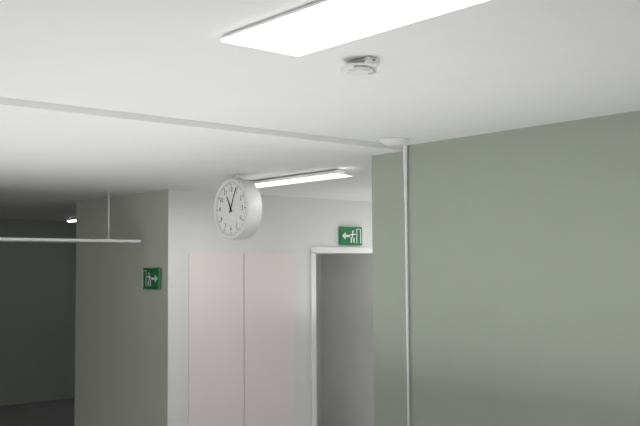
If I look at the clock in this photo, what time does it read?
11:04
